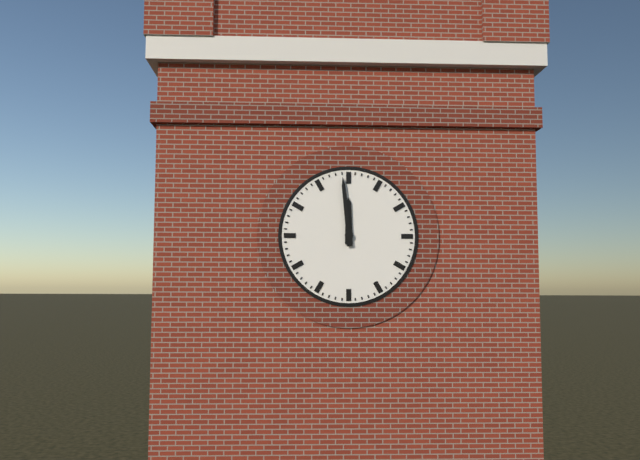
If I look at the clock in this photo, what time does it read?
11:59
